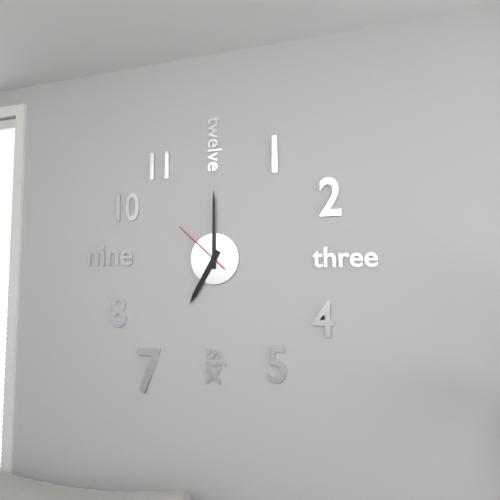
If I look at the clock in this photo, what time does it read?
7:00:52
